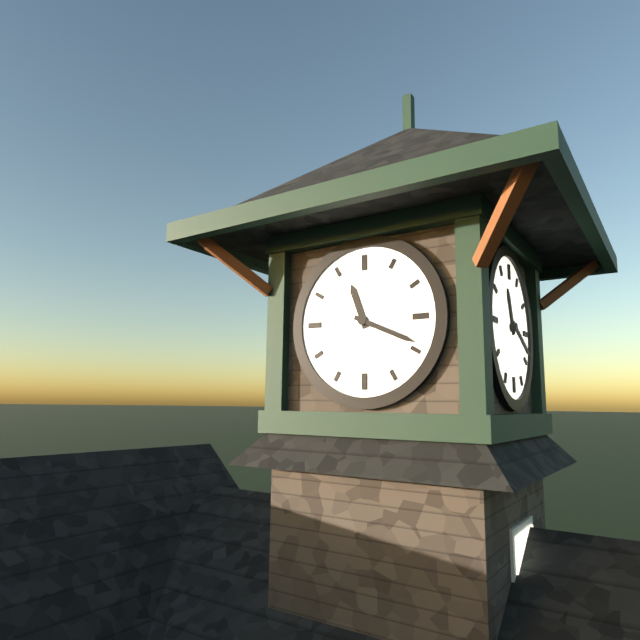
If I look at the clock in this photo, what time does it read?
11:19
